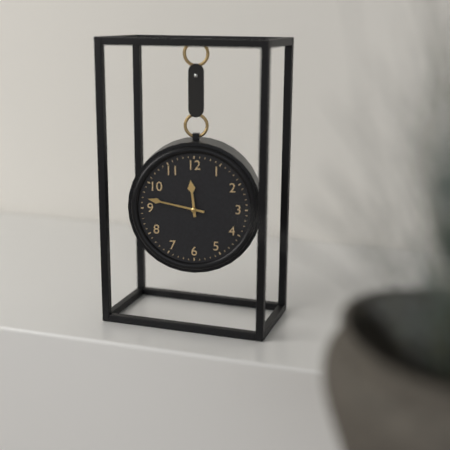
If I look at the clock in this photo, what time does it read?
11:47
